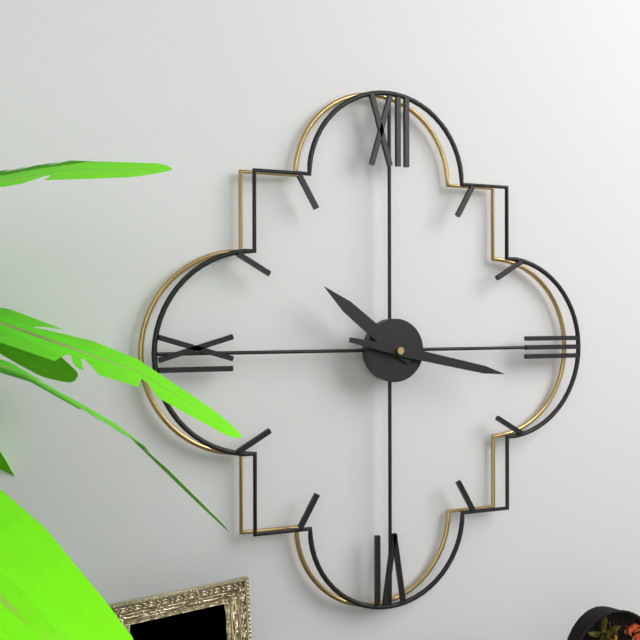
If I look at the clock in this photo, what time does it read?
10:17
